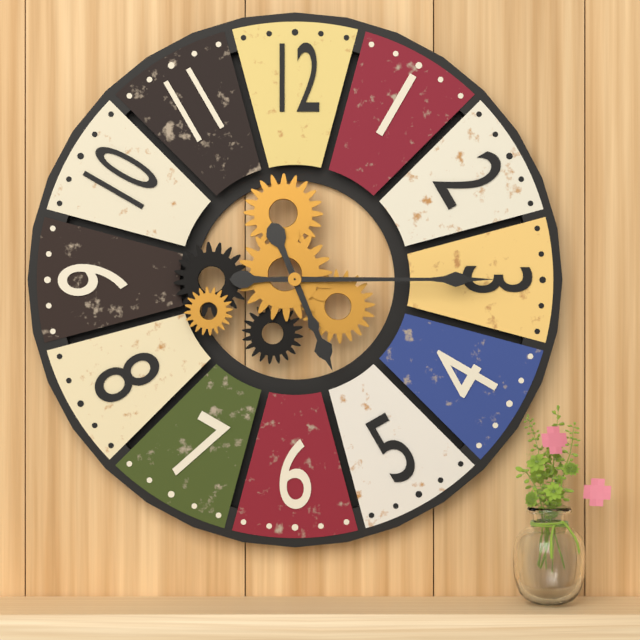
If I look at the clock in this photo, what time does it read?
5:15
